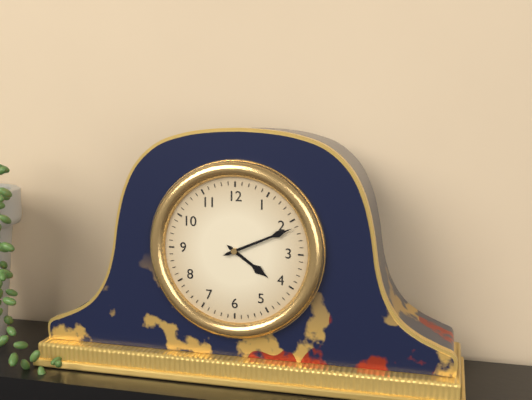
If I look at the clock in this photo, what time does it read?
4:11
